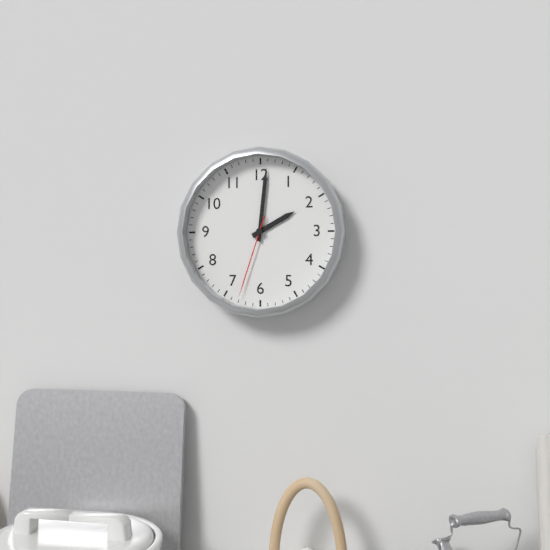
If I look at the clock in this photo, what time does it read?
2:01:33
